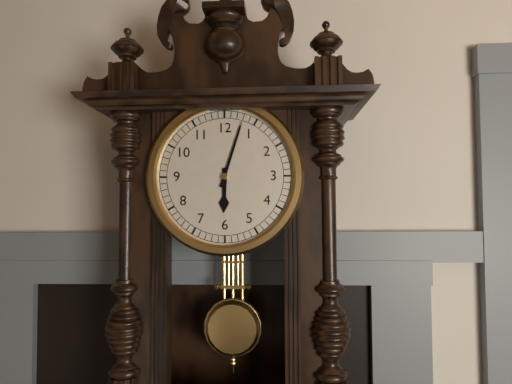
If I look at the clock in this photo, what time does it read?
6:03
